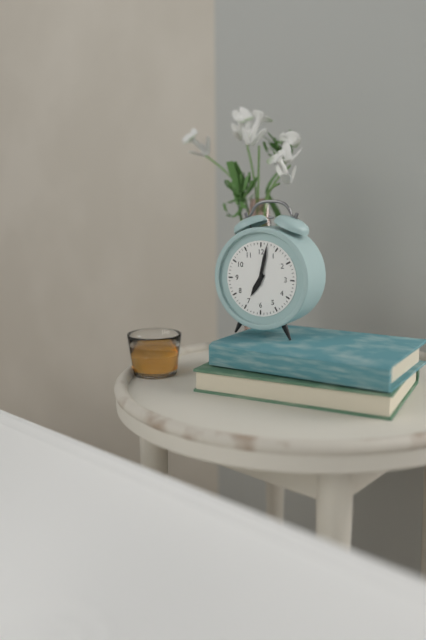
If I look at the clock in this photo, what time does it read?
7:02
